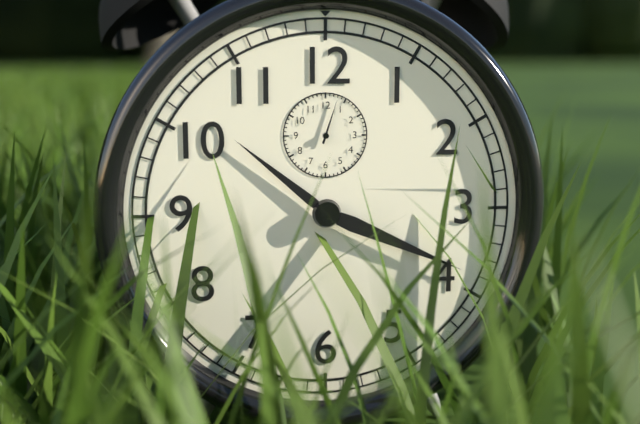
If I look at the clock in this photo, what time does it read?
10:19
